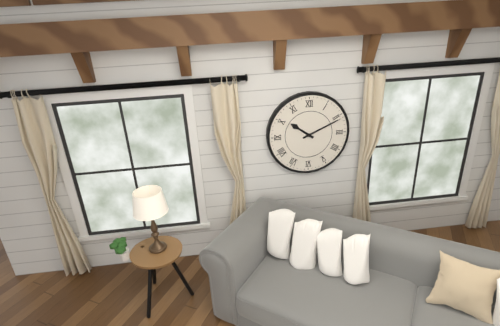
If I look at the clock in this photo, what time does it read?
10:11
